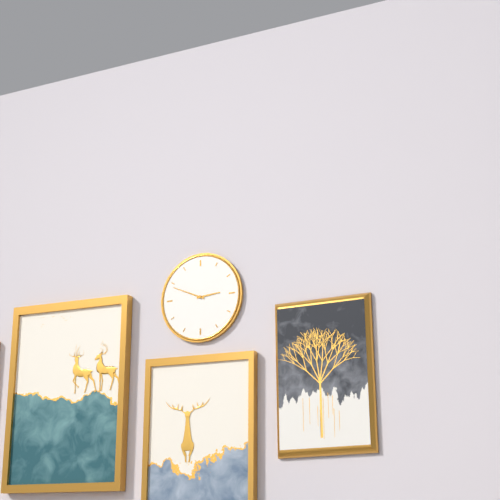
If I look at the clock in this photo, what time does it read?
2:49
